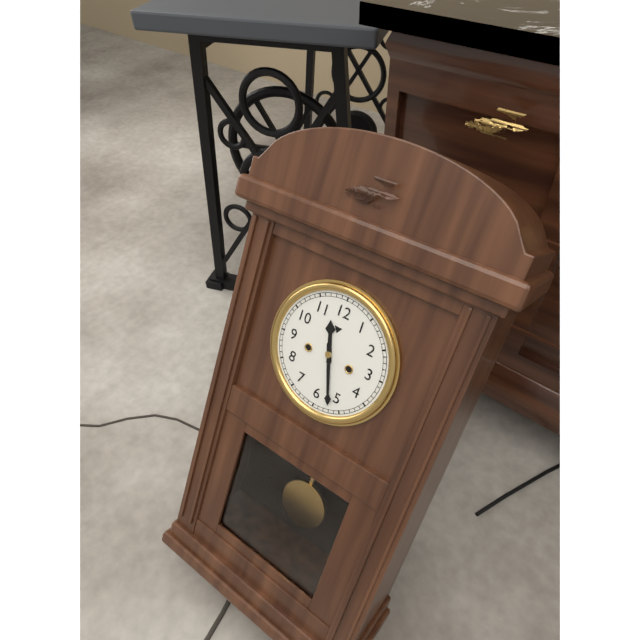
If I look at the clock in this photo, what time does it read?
11:27
